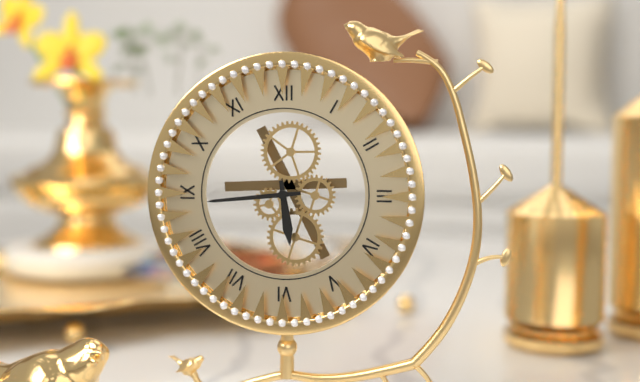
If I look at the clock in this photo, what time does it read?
5:44
